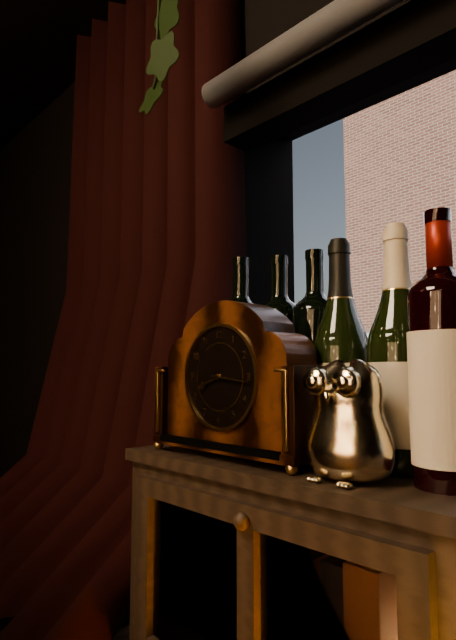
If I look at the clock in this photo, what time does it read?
8:16
